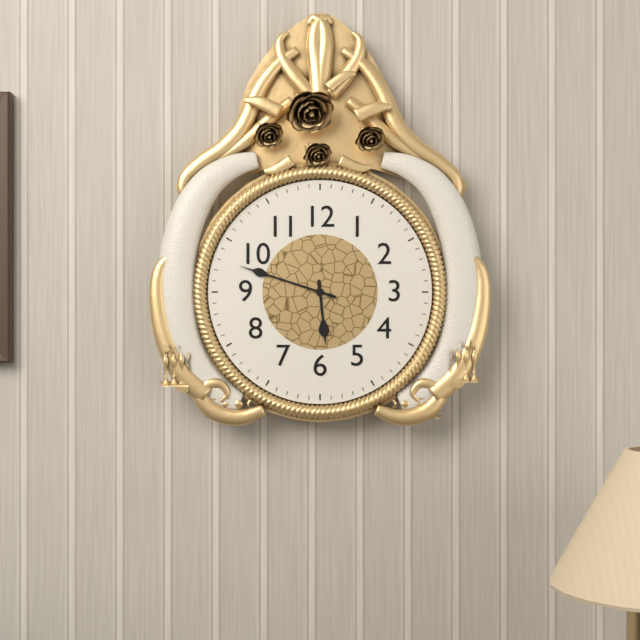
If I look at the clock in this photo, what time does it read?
5:48
